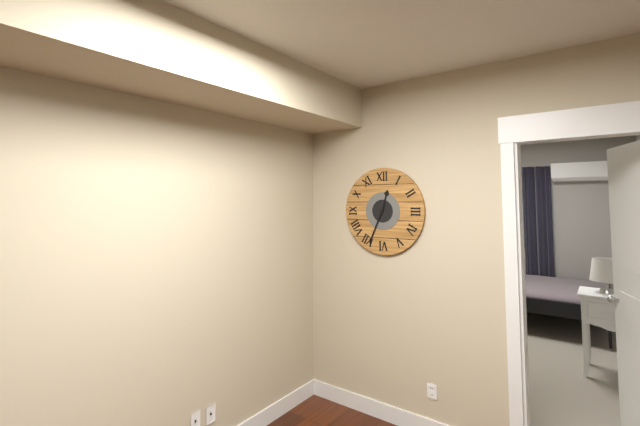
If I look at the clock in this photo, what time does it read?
12:34
